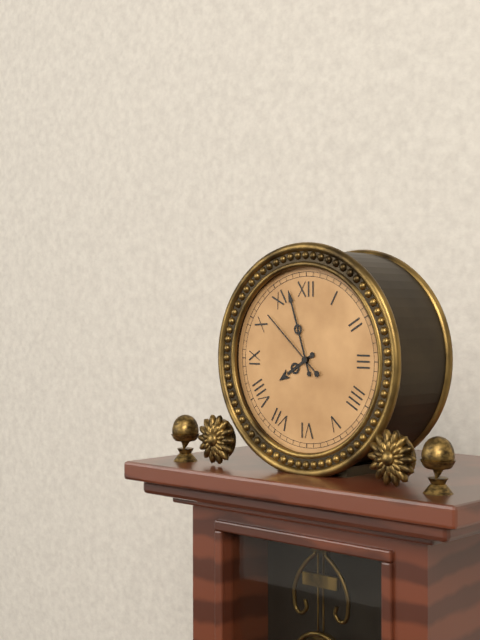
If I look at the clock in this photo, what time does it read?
7:57:52
